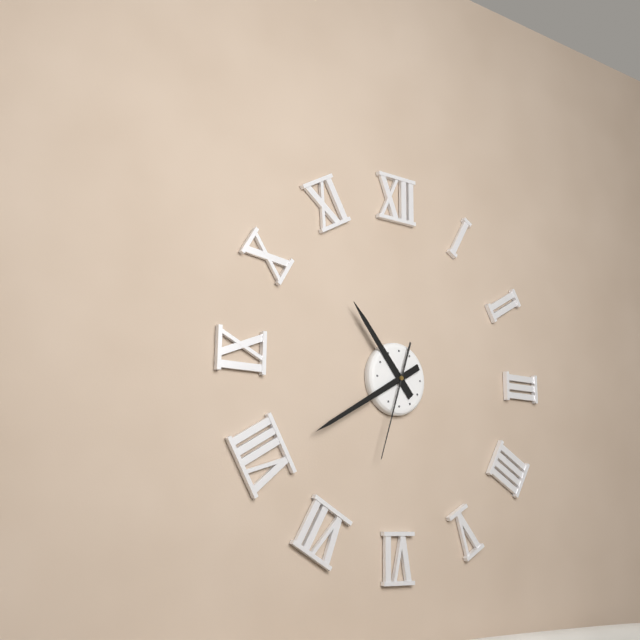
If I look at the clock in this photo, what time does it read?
10:40:33
